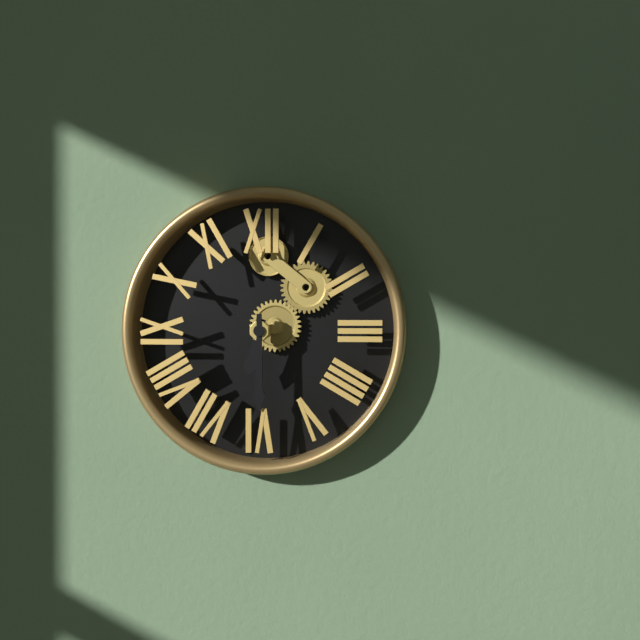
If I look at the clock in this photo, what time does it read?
6:30
